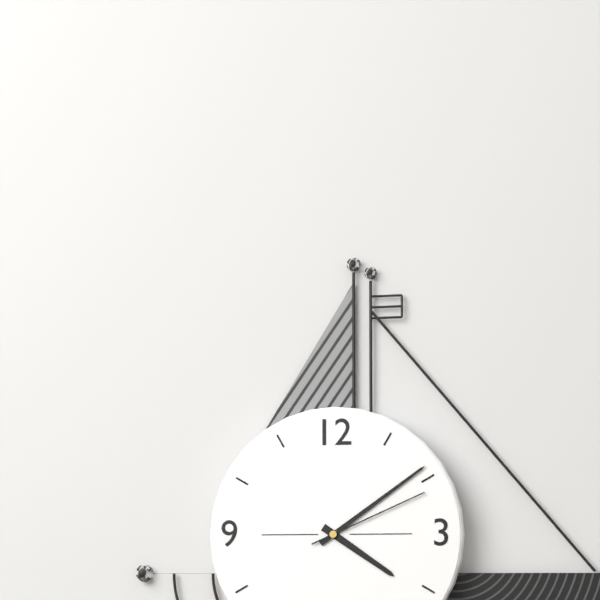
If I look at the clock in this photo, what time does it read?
4:09:11
